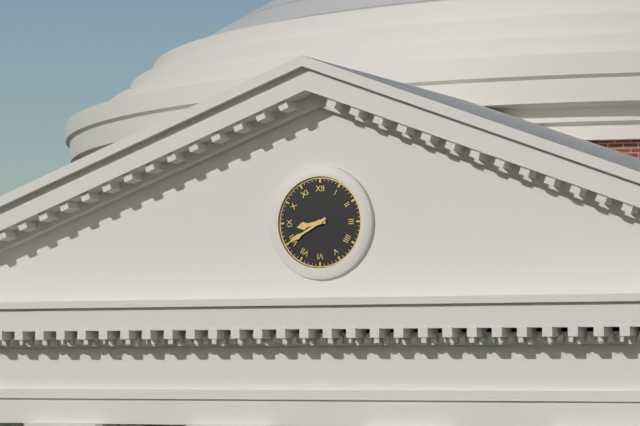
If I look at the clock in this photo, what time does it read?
8:40
